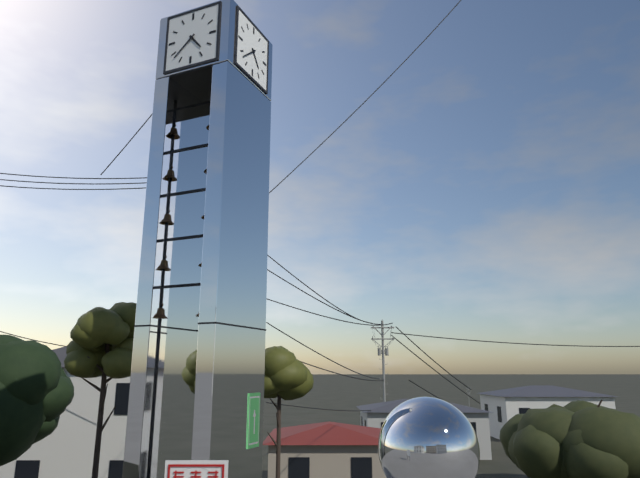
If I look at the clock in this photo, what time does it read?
4:38
